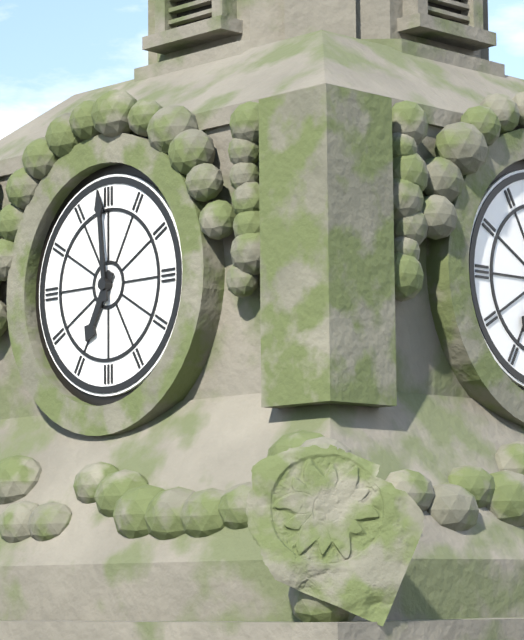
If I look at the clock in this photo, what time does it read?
6:59
